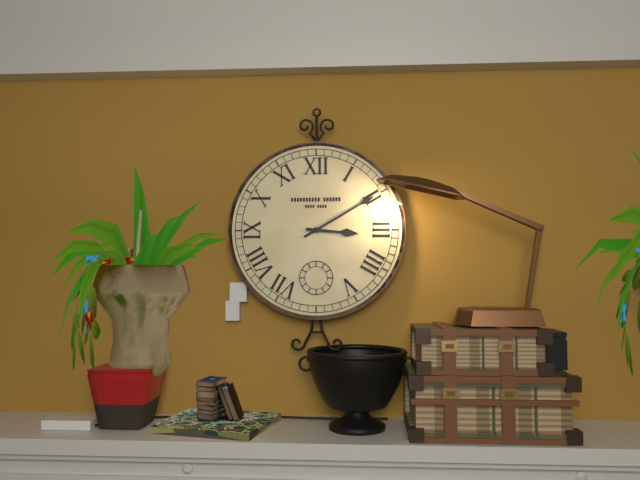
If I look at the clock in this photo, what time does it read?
3:10
